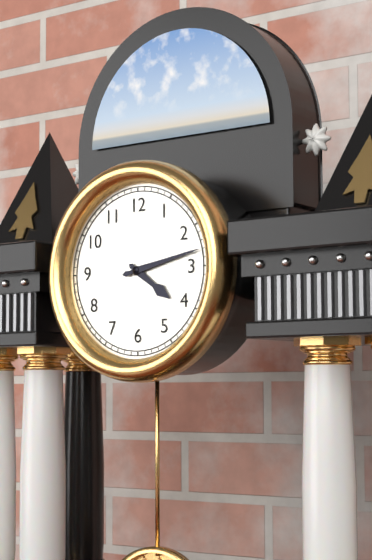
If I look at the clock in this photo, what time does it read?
4:13
